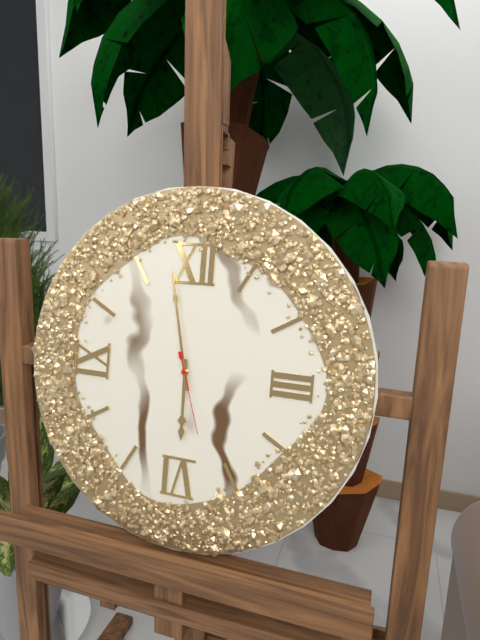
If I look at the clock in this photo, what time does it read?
5:58:27
